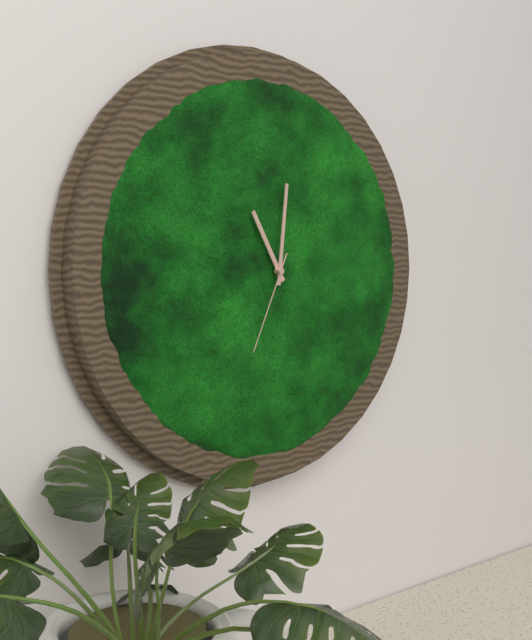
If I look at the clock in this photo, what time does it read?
11:01:34
